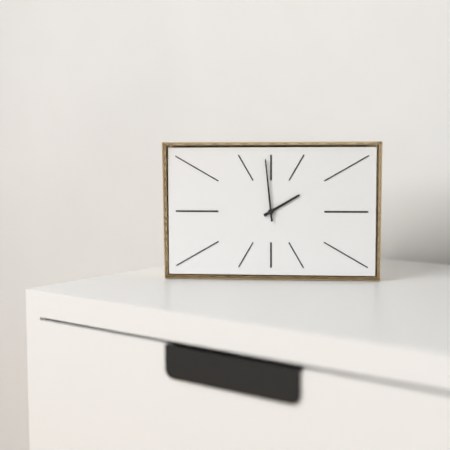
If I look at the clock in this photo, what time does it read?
1:59
